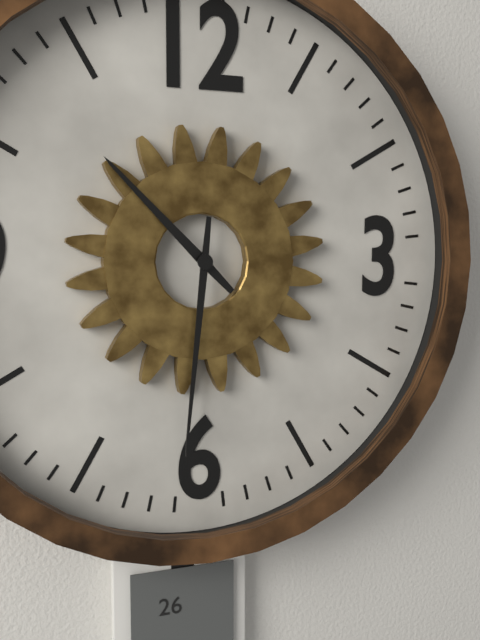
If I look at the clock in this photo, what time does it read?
10:31
